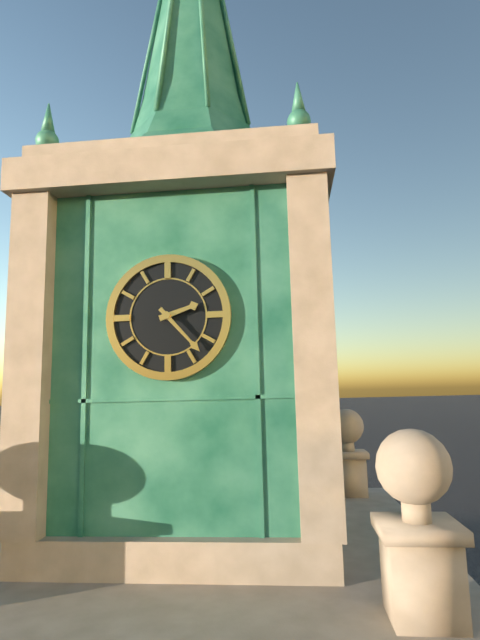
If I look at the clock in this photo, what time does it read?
2:23
